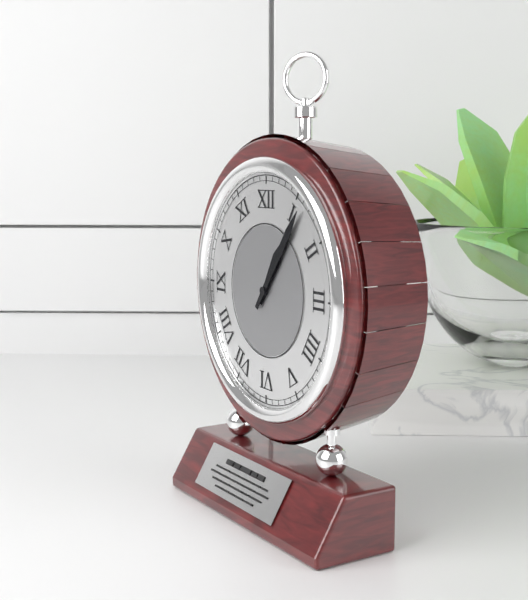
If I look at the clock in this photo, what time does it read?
1:06
